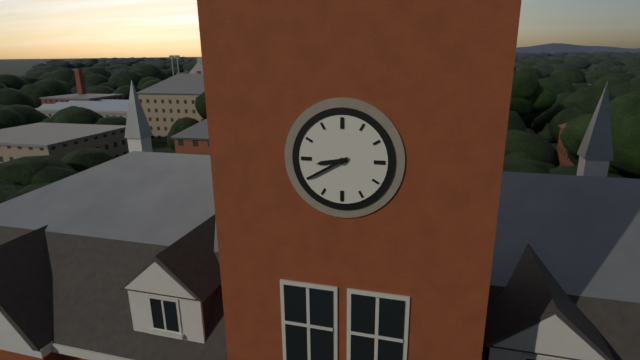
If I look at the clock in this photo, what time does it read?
8:40
